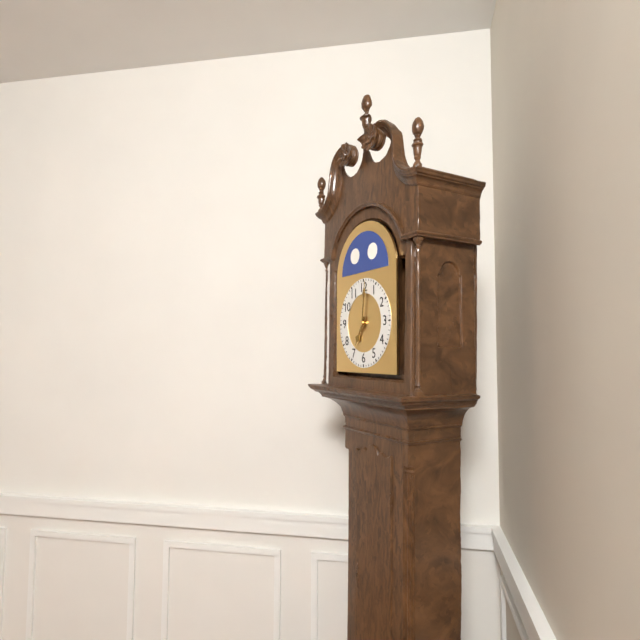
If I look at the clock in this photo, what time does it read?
7:01
